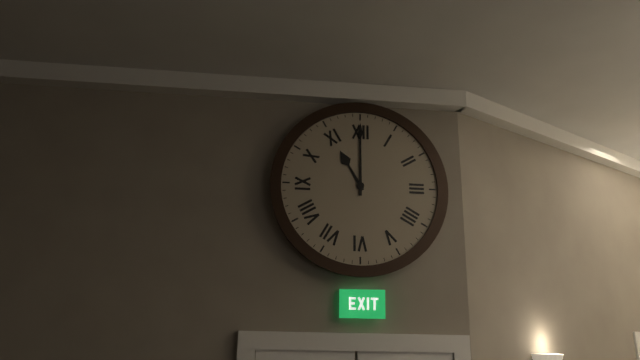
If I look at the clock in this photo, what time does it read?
11:00
